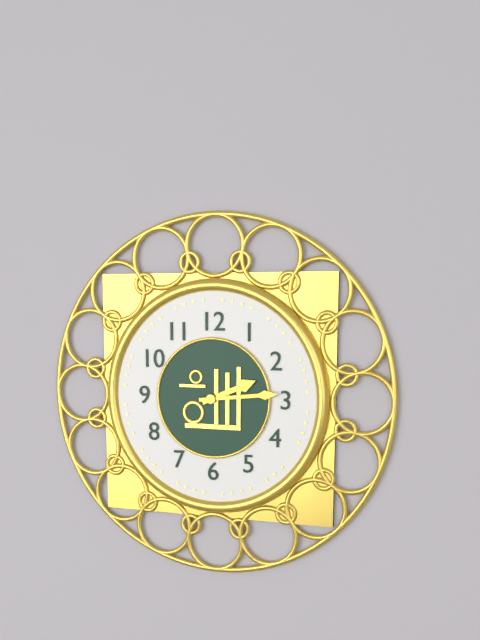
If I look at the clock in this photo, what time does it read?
2:14
